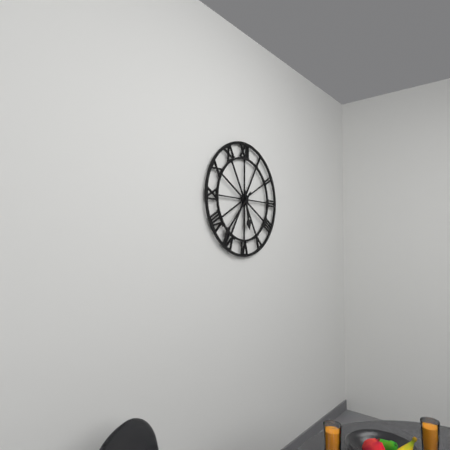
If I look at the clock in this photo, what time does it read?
5:37
